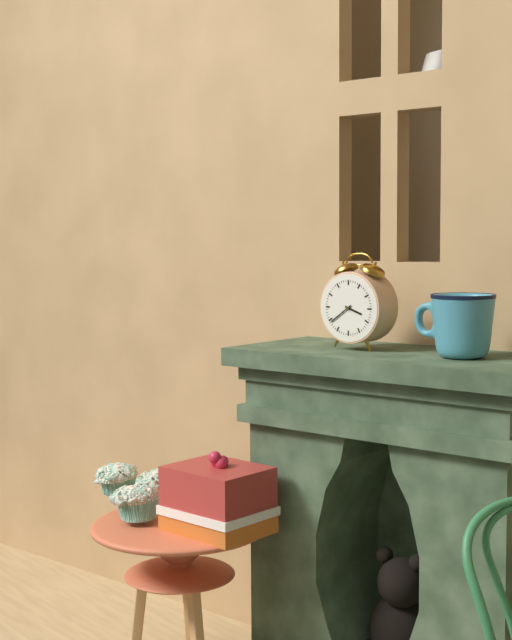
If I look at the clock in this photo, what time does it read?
3:39
